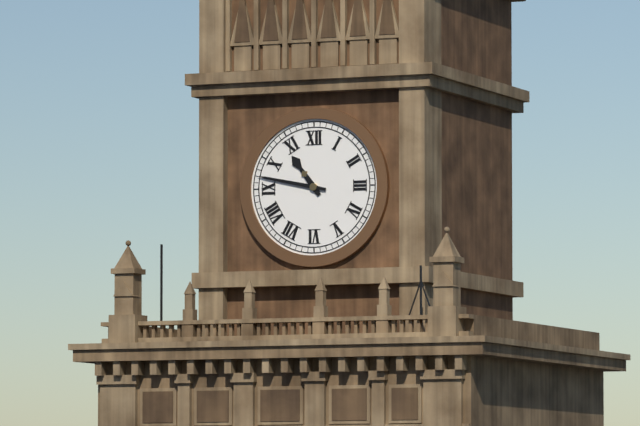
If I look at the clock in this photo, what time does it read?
10:47
